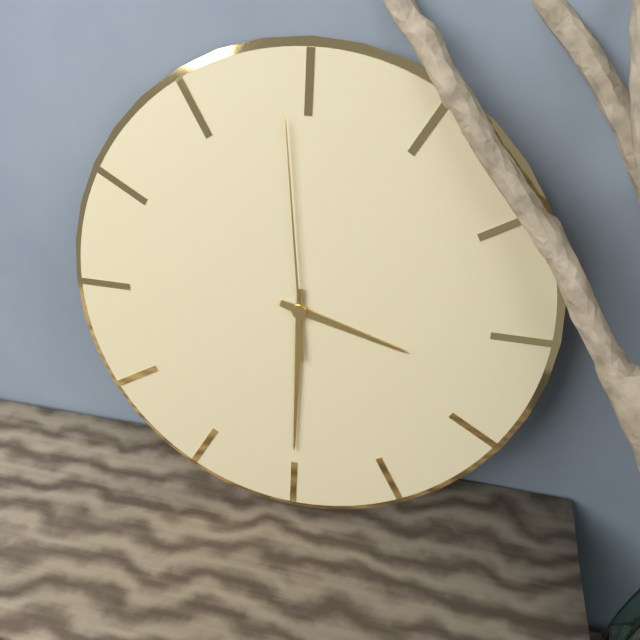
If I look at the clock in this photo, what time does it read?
3:30:59
